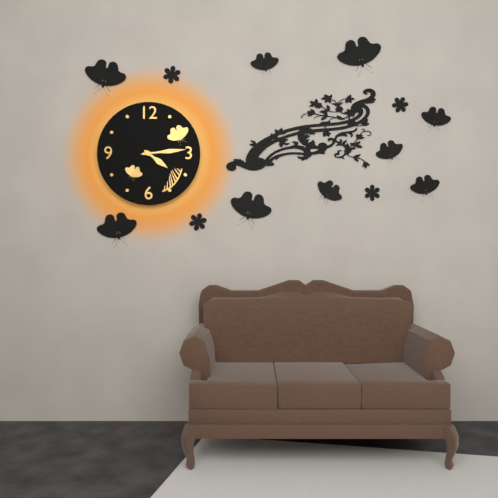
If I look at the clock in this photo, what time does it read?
4:14
